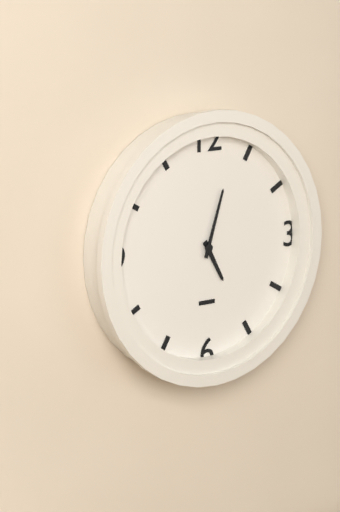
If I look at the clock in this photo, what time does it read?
5:03
